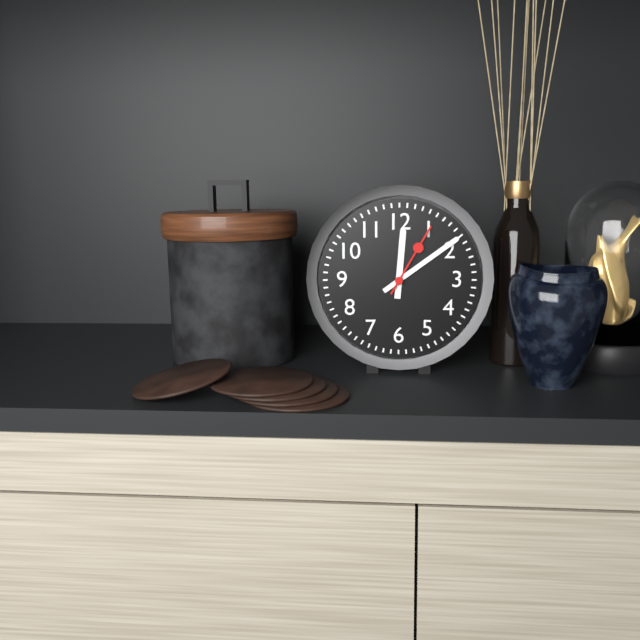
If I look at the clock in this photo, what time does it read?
12:09:05
